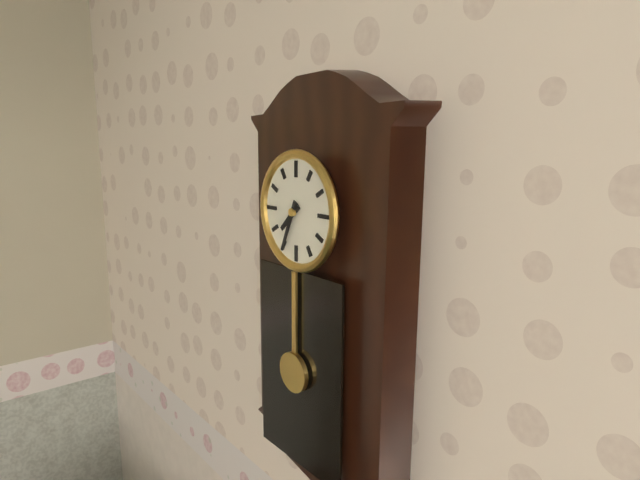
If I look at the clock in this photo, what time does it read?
7:34
